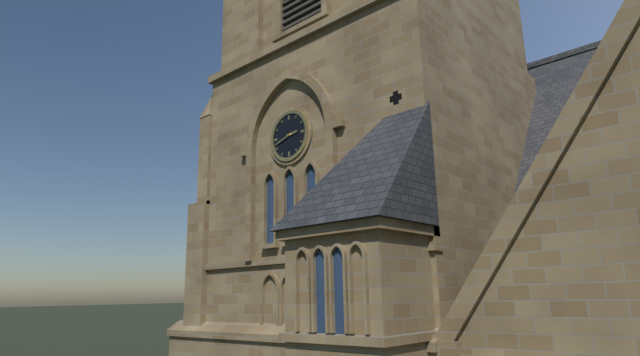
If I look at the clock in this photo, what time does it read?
2:42
